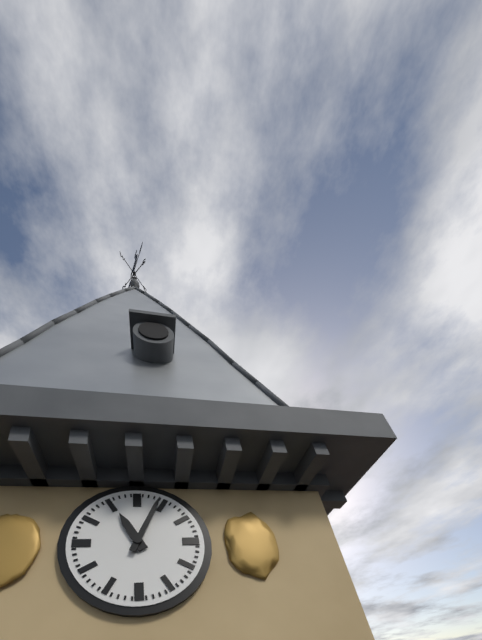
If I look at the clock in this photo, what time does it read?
11:04
